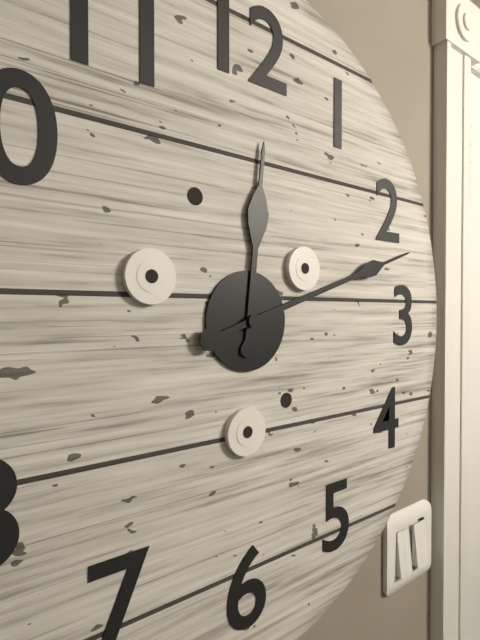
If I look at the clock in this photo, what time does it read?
12:12
